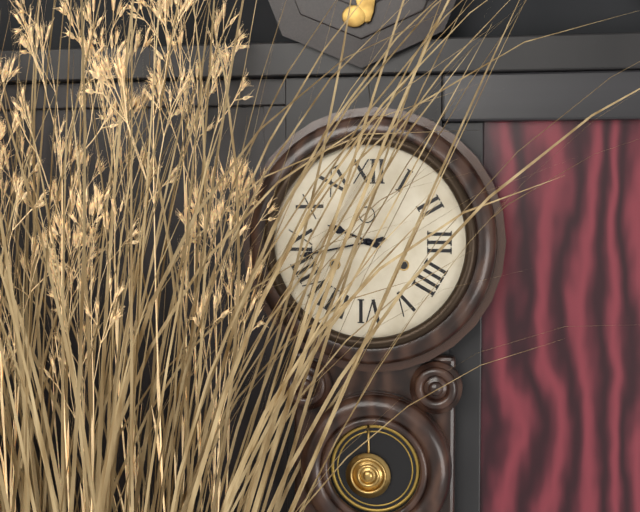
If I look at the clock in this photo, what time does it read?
9:43
